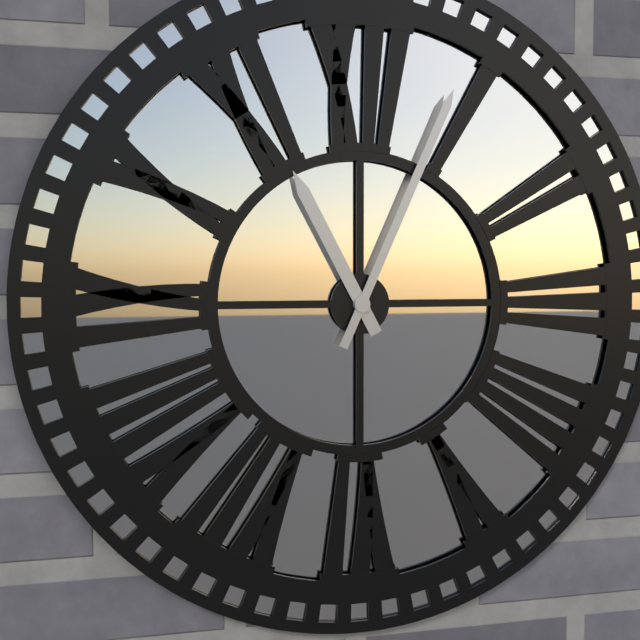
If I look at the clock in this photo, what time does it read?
11:04
